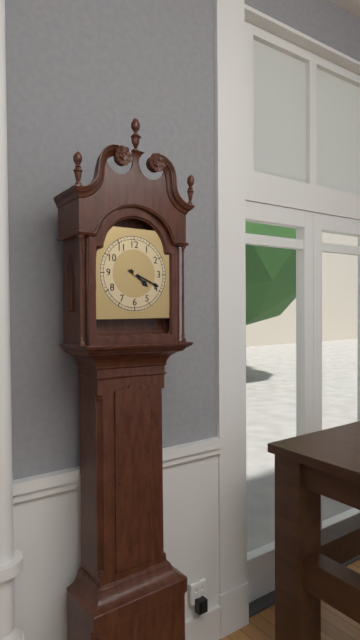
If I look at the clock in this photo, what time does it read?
4:19
